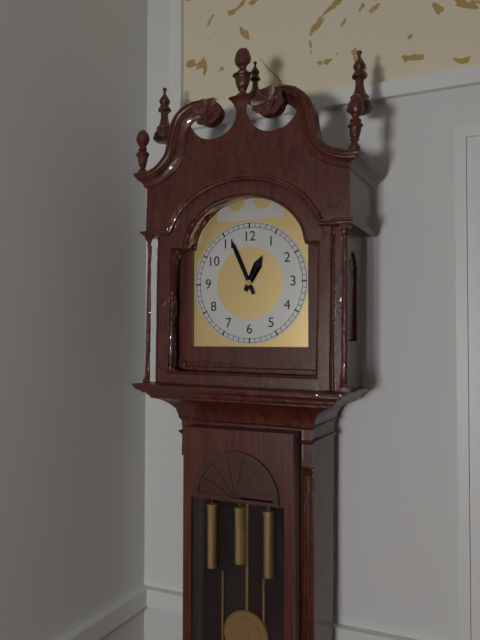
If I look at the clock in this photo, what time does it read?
12:56
